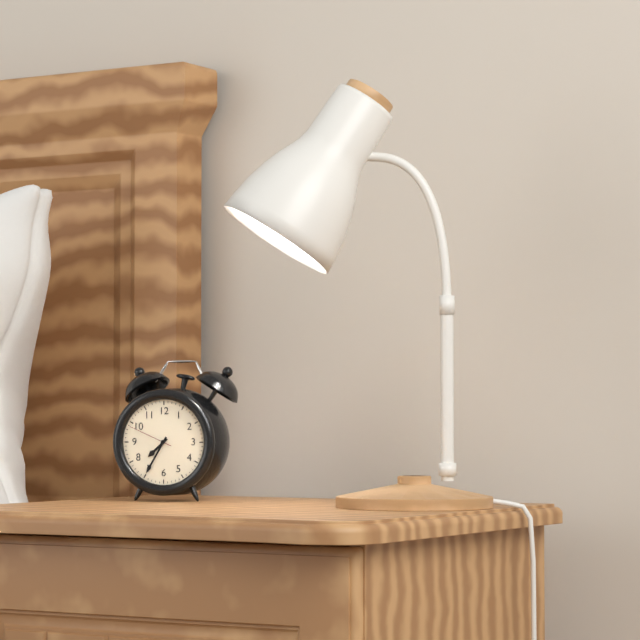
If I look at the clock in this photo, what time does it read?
7:35
